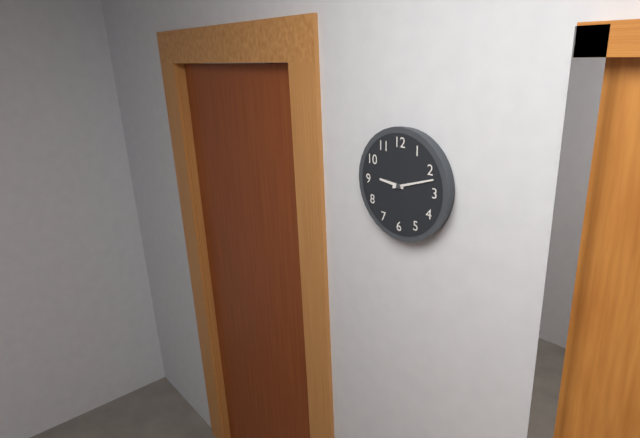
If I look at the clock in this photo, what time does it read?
9:12
